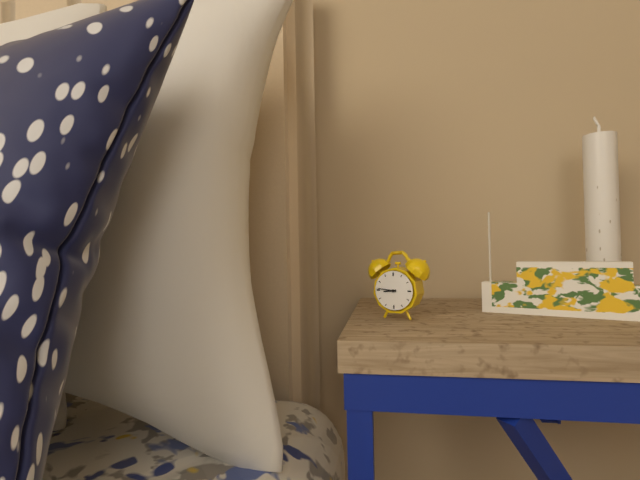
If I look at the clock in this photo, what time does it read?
8:46
